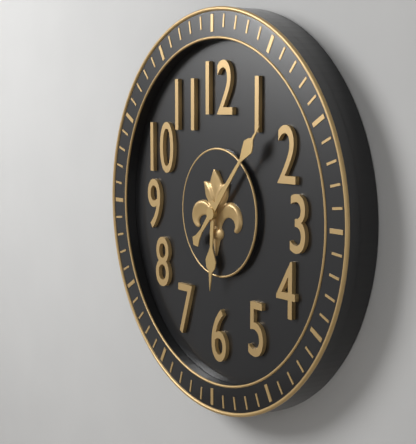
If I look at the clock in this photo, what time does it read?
6:07
